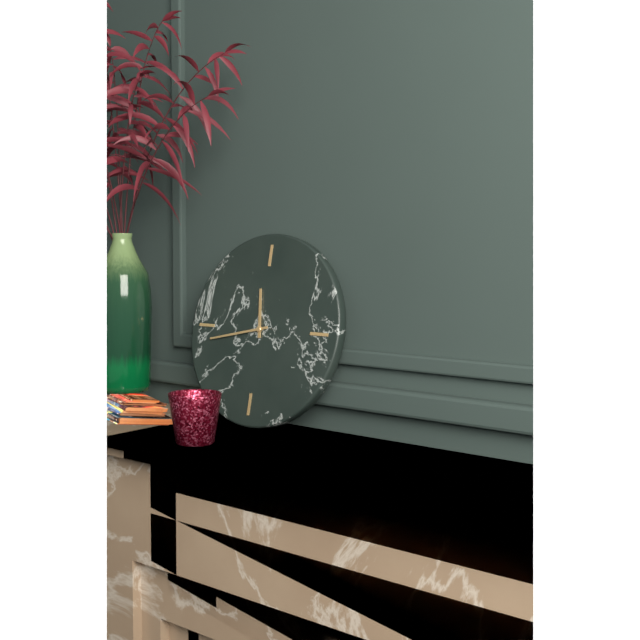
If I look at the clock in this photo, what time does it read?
11:43
